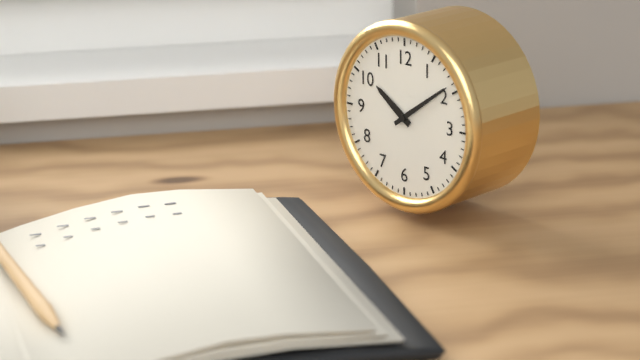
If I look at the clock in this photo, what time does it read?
10:09
